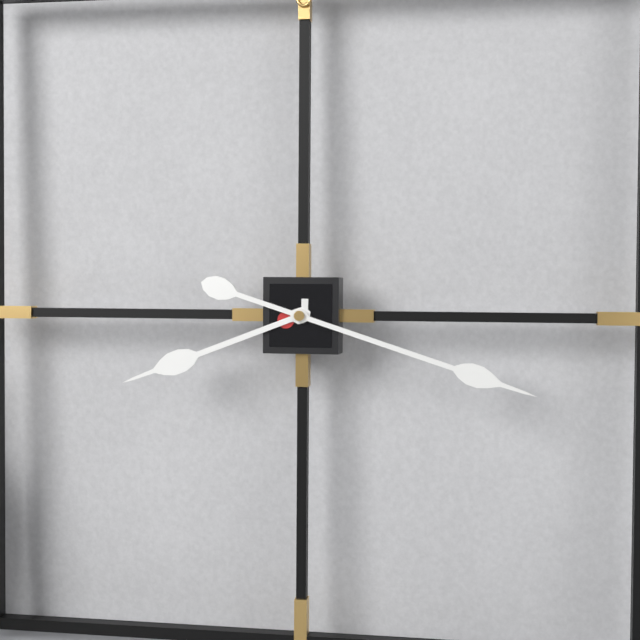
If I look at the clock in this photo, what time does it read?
8:18
